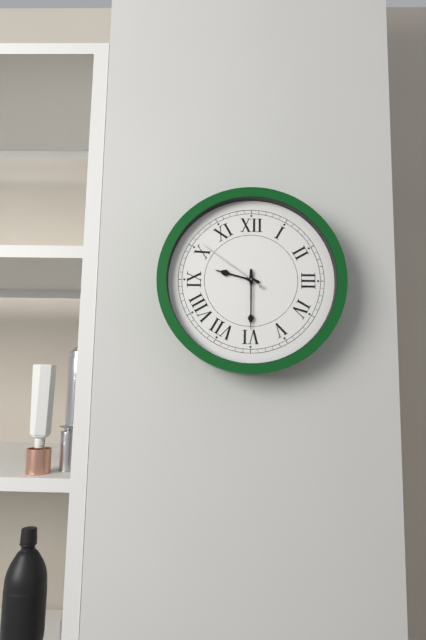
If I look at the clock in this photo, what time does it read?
9:30:51
